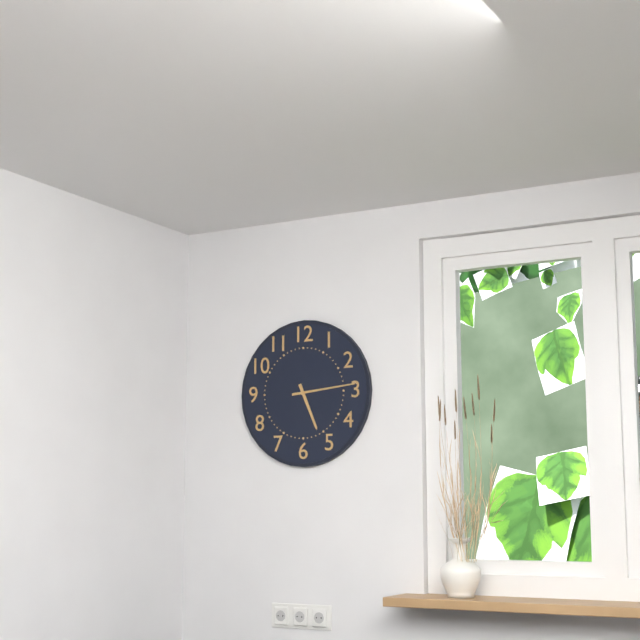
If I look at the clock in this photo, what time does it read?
5:14
